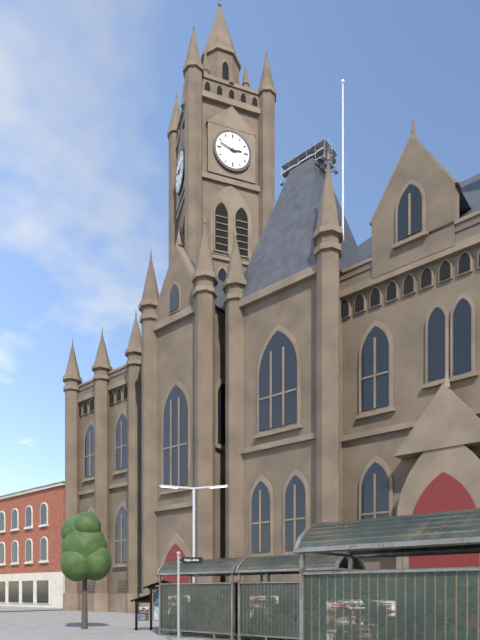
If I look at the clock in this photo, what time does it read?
2:48
